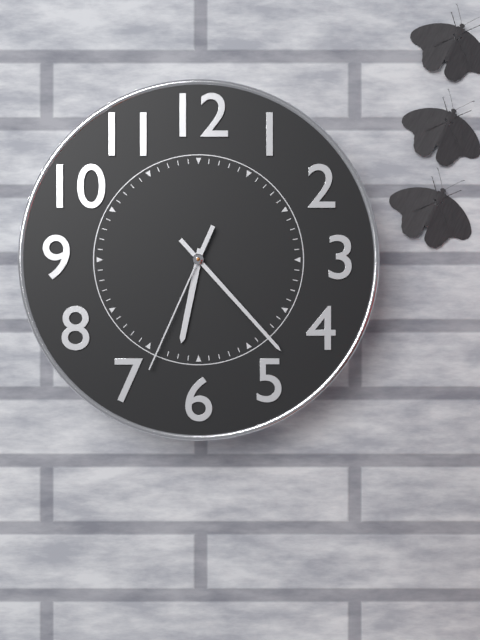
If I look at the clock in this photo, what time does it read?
6:23:34
